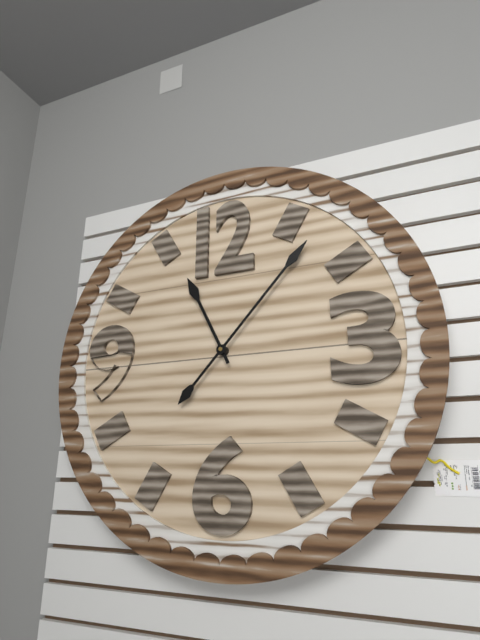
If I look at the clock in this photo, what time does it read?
11:07
